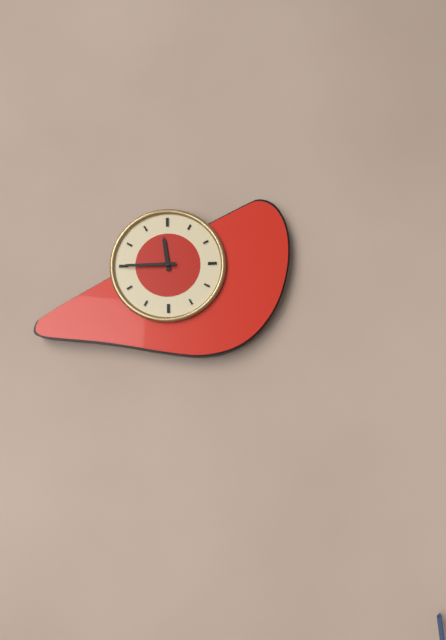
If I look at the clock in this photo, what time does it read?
11:45
